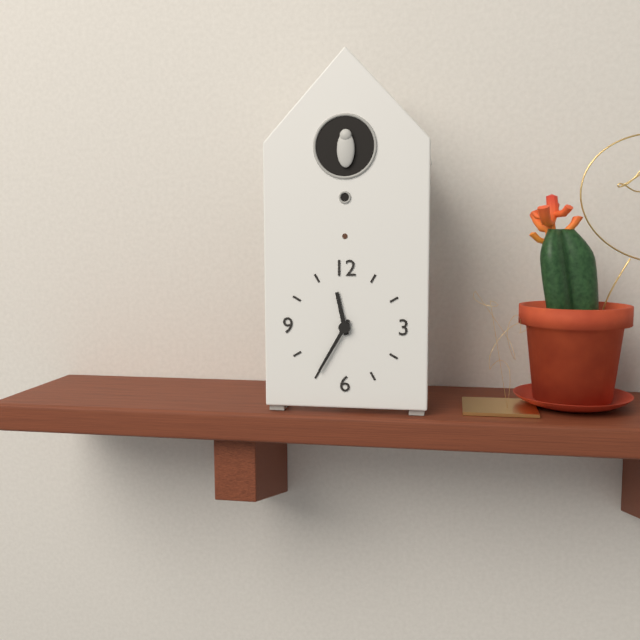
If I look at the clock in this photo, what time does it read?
11:35
